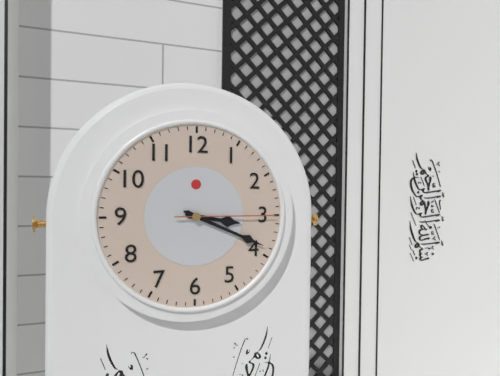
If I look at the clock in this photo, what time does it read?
3:19:15
